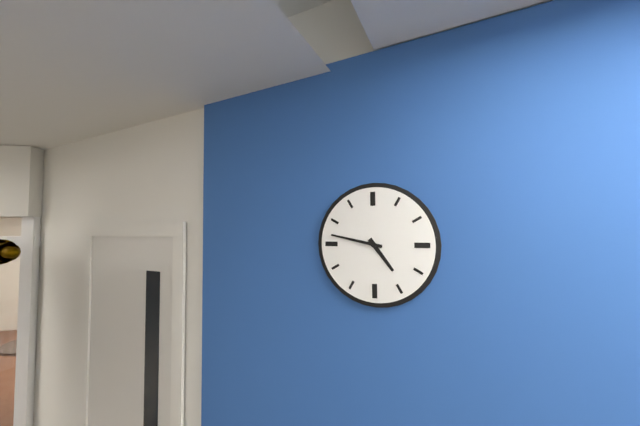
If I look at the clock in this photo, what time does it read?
4:47
